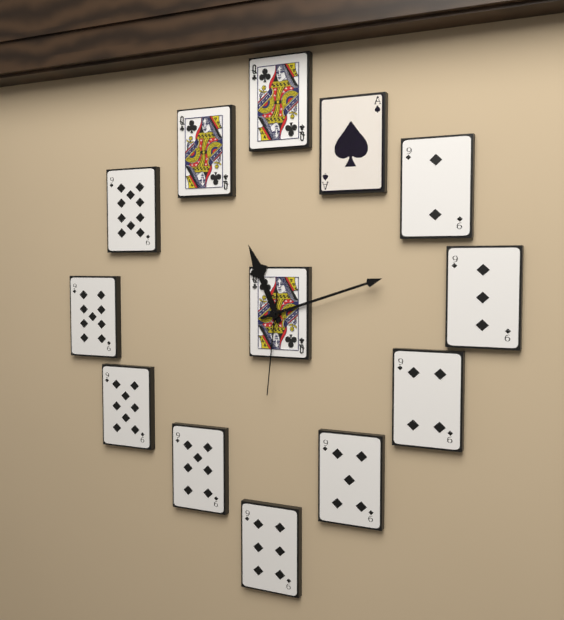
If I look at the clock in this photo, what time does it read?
11:12:31
